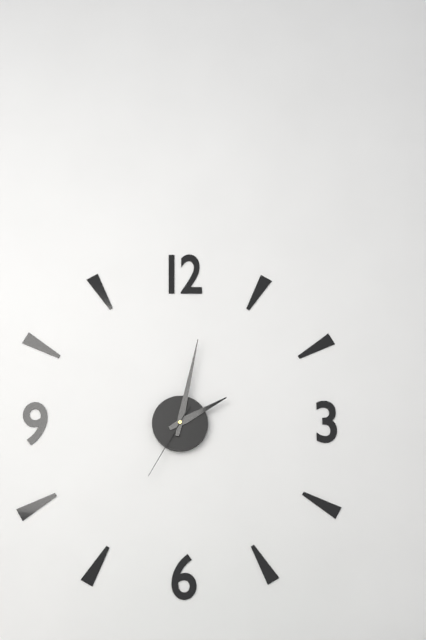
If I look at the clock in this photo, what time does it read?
2:02:35
